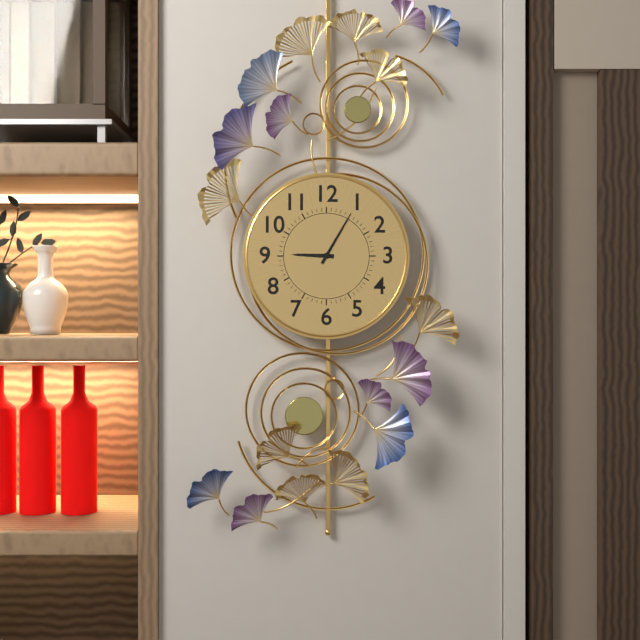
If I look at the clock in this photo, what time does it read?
9:05
